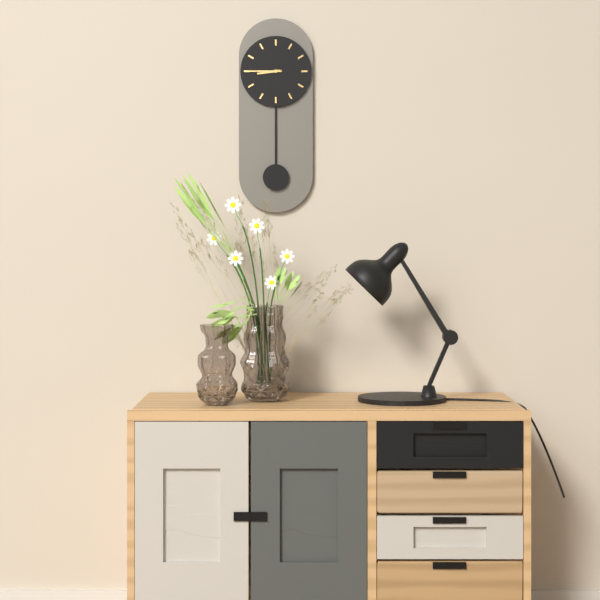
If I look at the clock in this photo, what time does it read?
8:45
